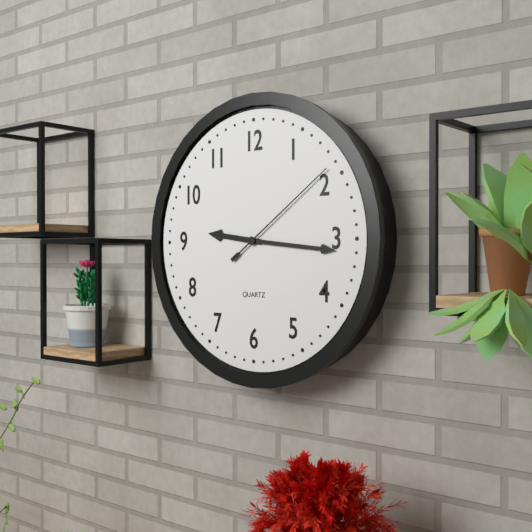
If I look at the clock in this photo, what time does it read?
9:16:09
